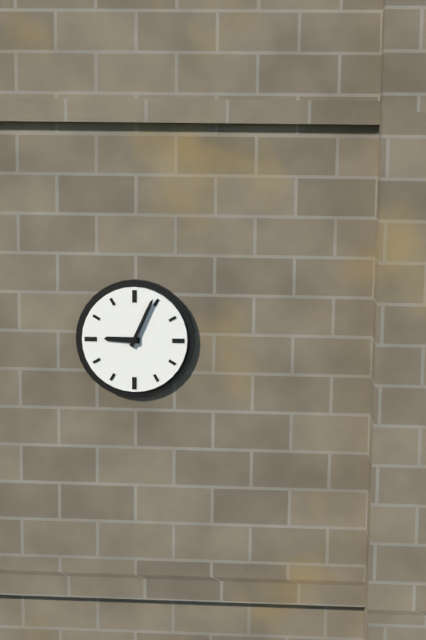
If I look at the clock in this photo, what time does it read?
9:04
